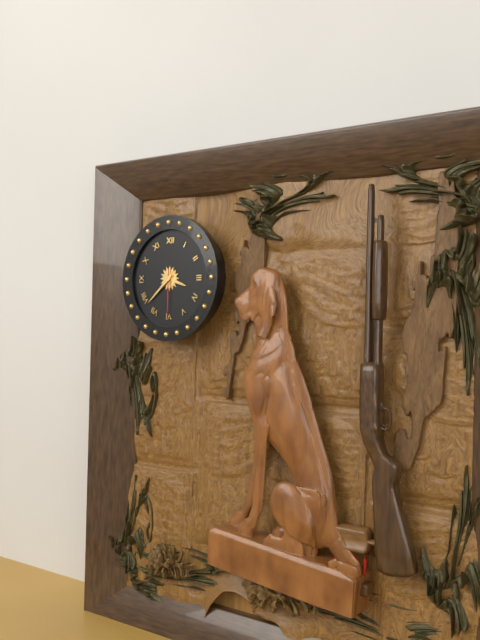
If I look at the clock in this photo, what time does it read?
3:38:30
